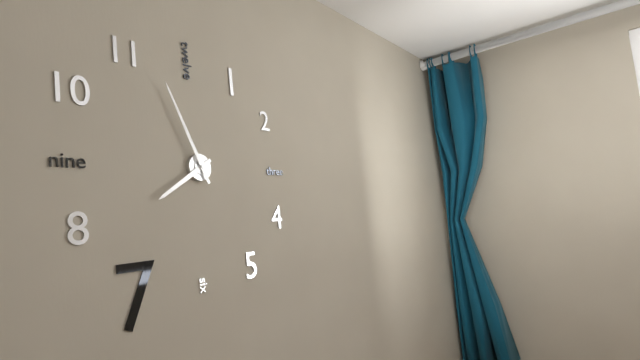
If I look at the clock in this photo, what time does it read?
7:56
